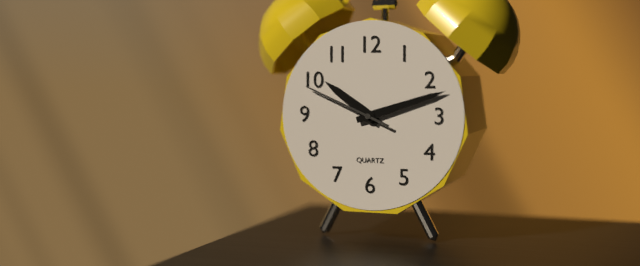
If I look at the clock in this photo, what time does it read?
10:12:49
